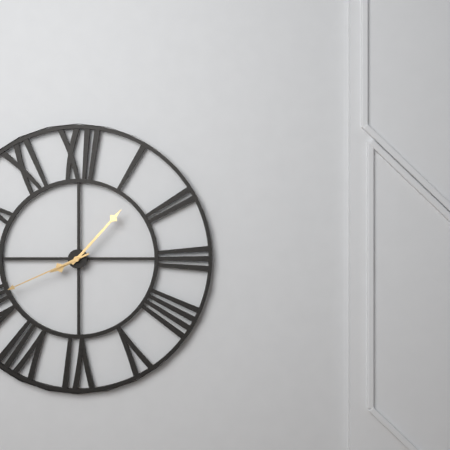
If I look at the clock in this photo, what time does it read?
8:07:41
